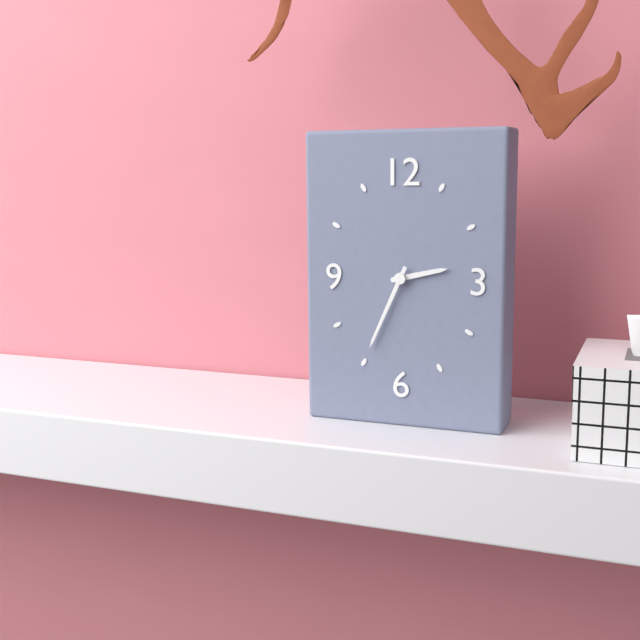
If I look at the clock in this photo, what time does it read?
2:34
